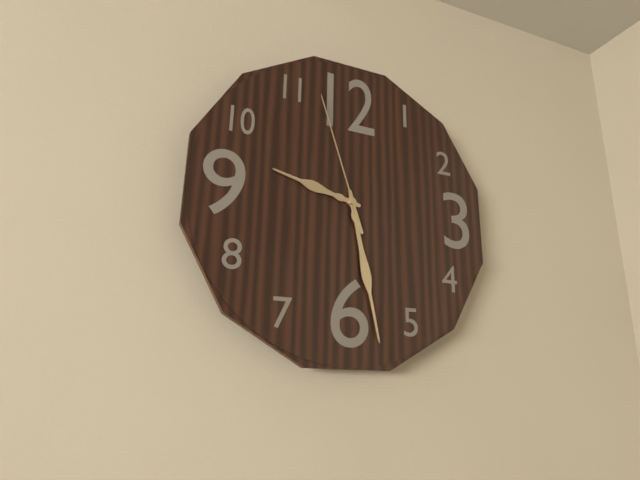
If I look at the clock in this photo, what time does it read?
9:28:57
